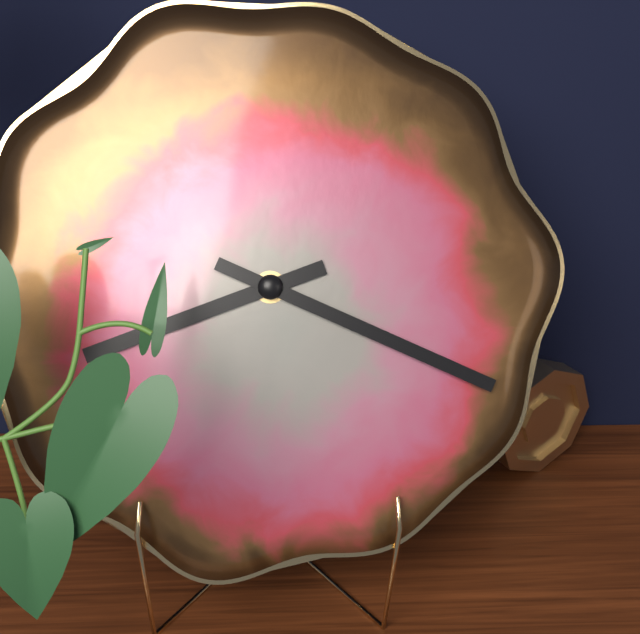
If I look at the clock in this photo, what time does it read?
8:19
